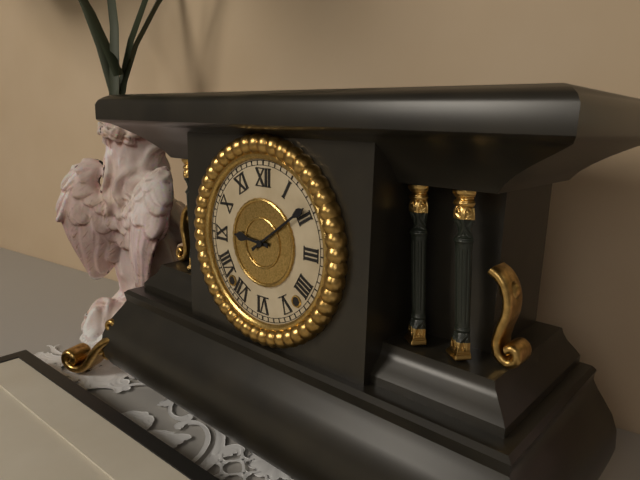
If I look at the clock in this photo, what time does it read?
9:09
